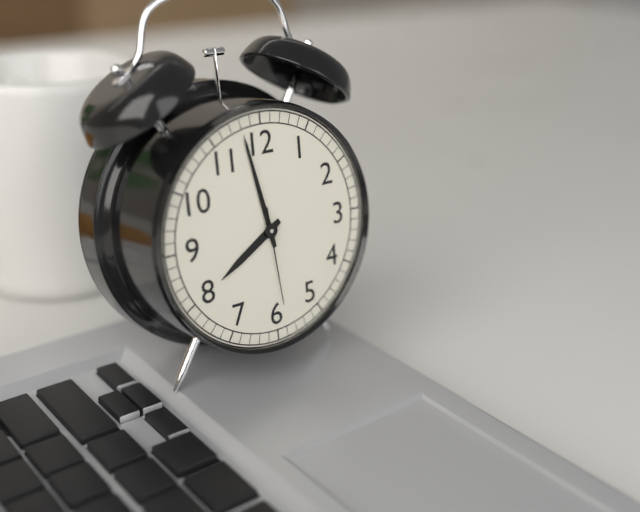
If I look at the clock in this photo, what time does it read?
7:58:29
